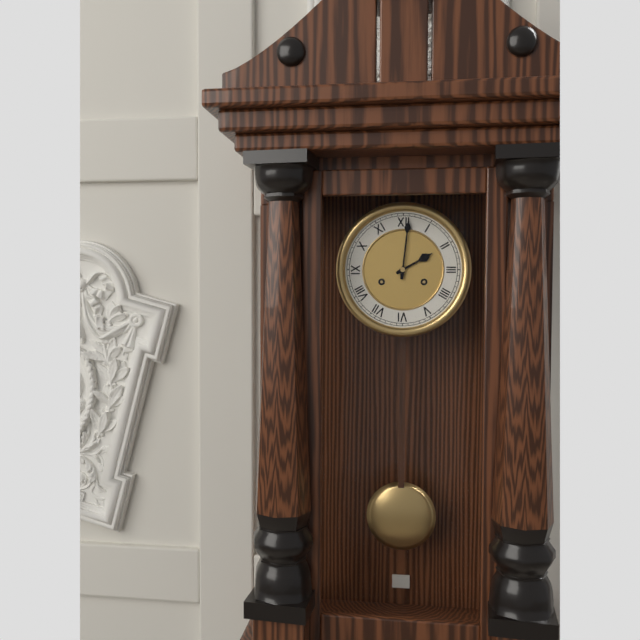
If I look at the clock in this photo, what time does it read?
2:01
